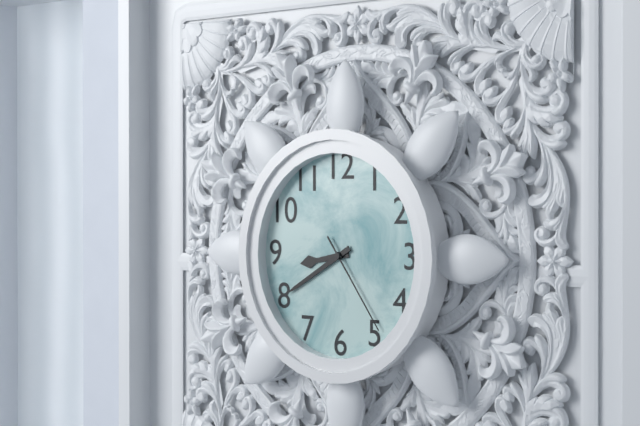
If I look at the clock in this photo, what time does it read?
8:40:24
